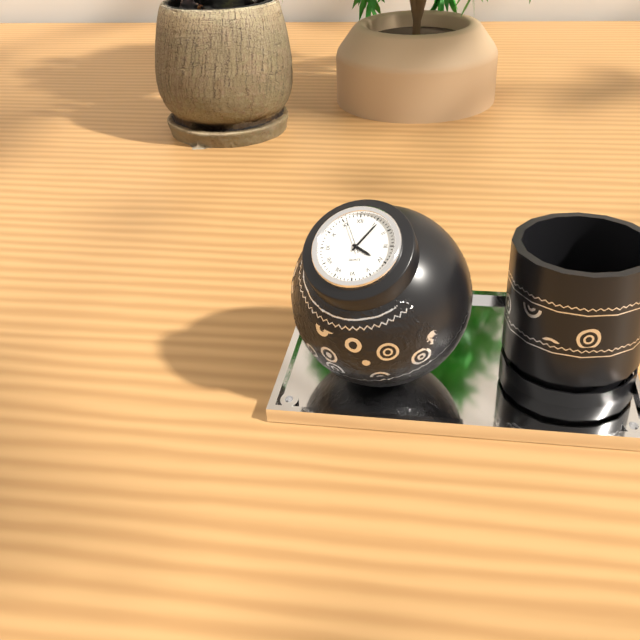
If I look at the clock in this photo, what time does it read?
4:06:56
